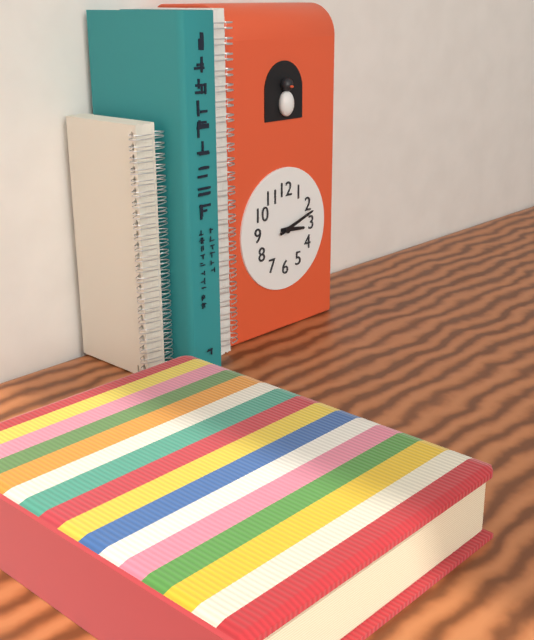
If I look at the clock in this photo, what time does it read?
3:12
